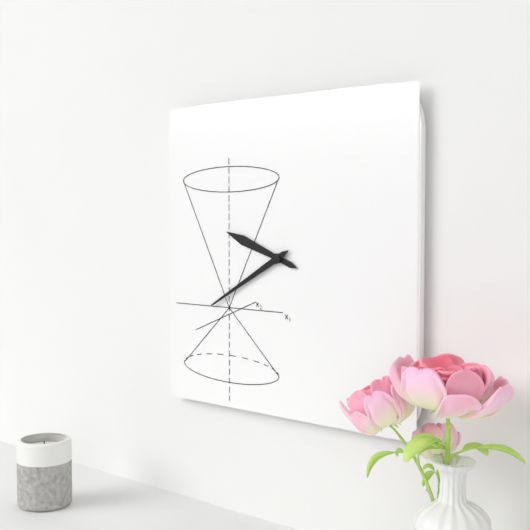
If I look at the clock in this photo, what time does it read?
9:40
